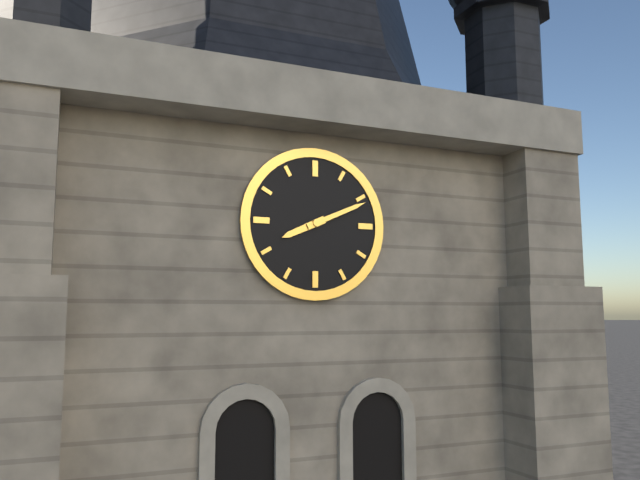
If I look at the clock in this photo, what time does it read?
8:11
